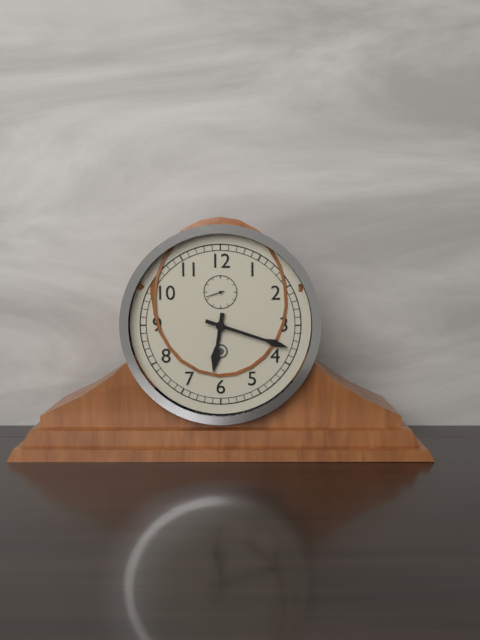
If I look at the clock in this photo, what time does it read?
6:18
